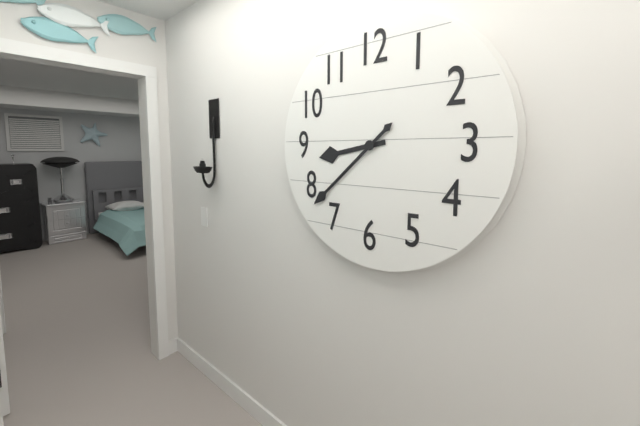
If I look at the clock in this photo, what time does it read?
8:38
